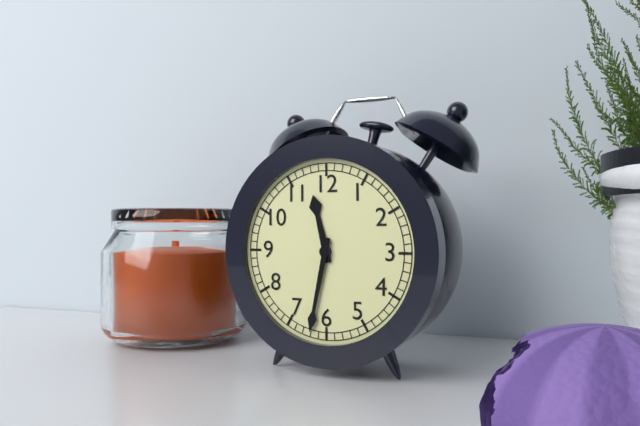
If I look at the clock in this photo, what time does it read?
11:32
